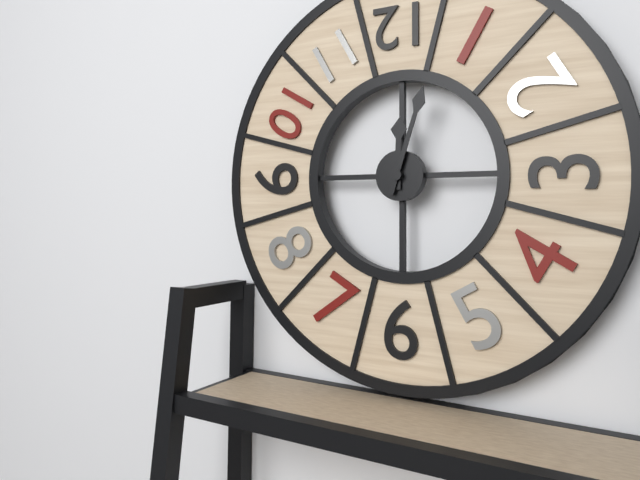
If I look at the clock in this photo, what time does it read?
12:03
